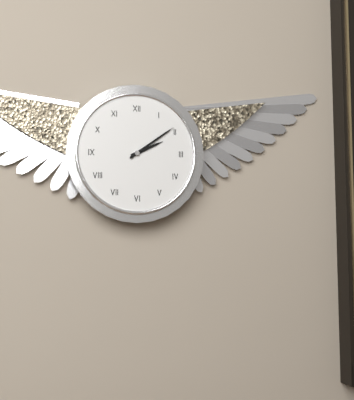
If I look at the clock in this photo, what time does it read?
2:09
